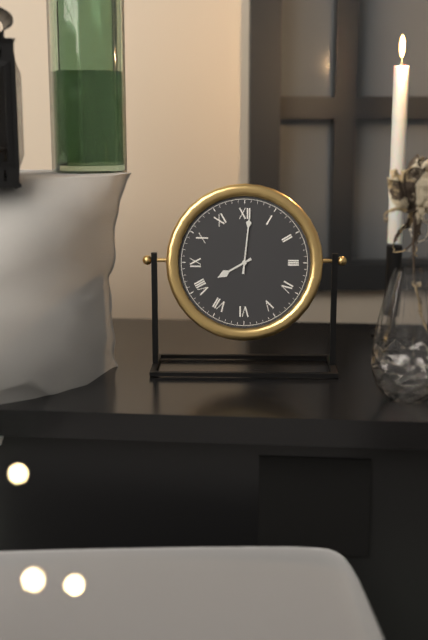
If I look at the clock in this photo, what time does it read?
8:01
